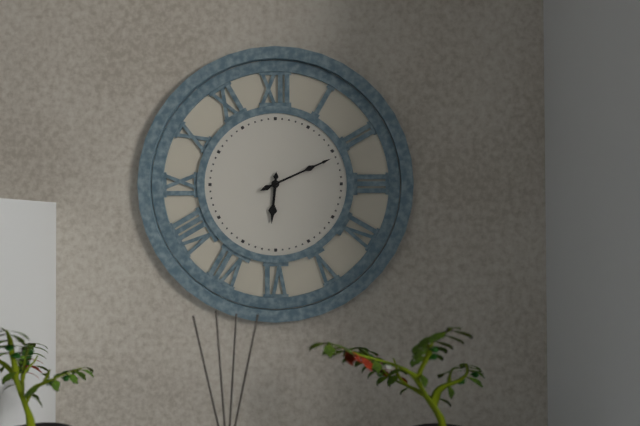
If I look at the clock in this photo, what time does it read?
6:11
